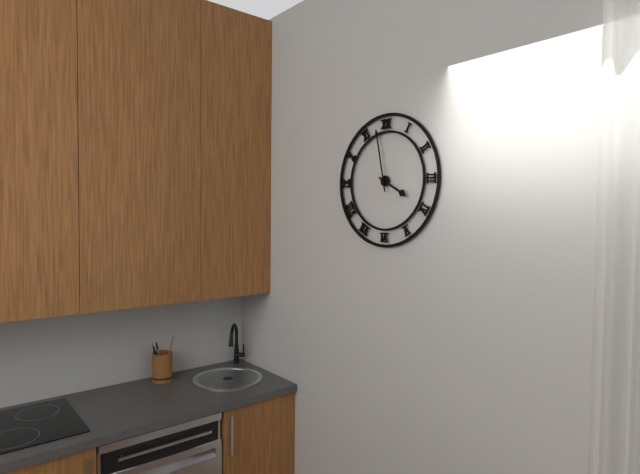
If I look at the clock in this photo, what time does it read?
3:58
